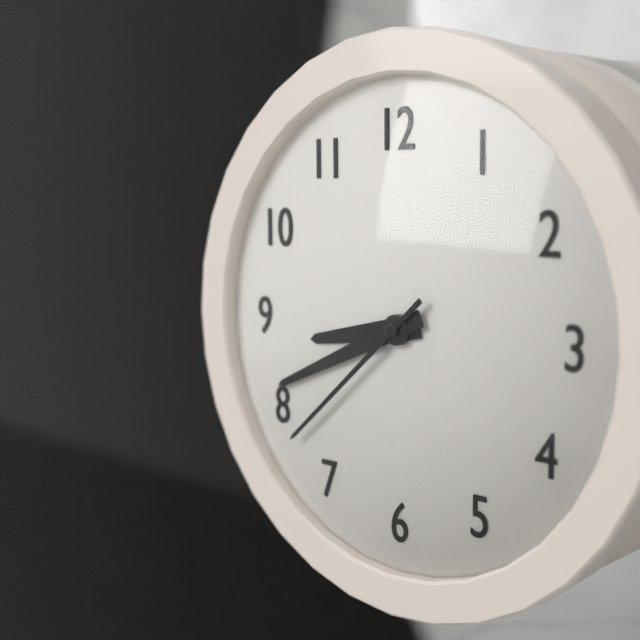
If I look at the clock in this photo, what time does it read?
8:41:38
